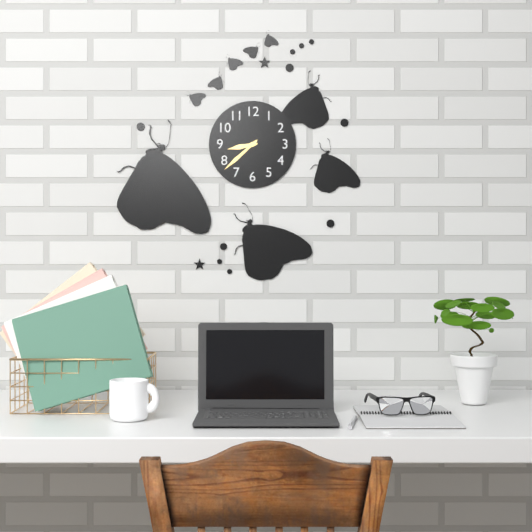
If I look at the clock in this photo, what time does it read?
8:38
